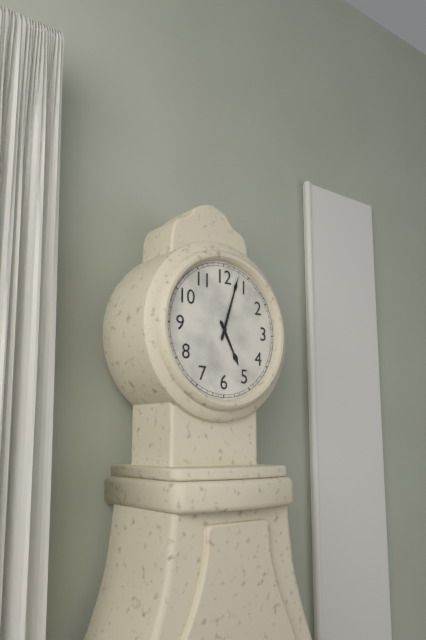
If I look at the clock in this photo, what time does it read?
5:03
